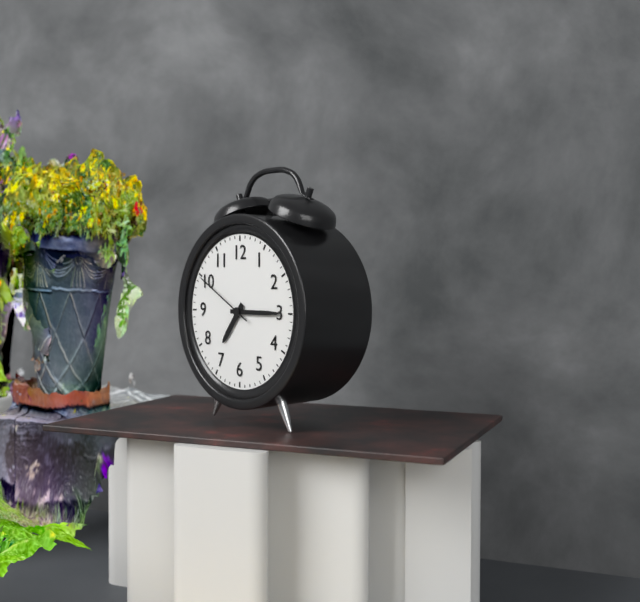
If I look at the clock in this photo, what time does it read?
7:15:50
